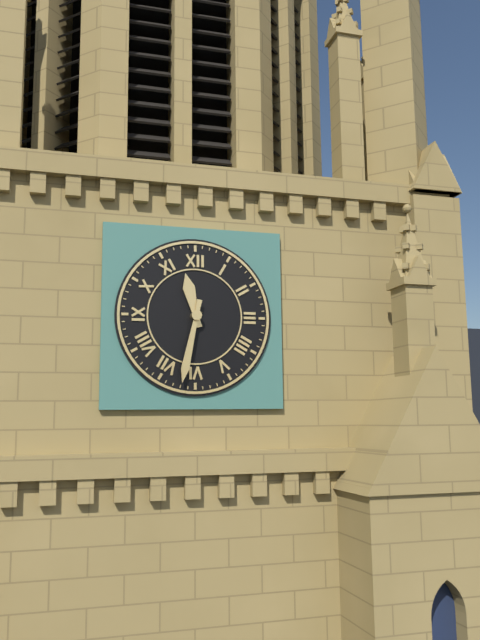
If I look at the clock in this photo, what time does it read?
11:32
